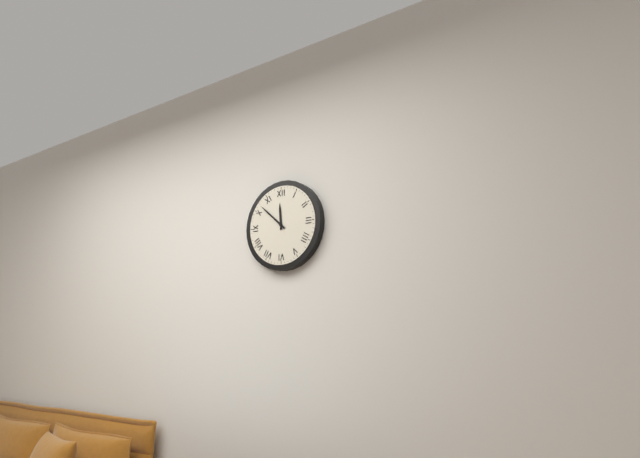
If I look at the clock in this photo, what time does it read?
11:52
